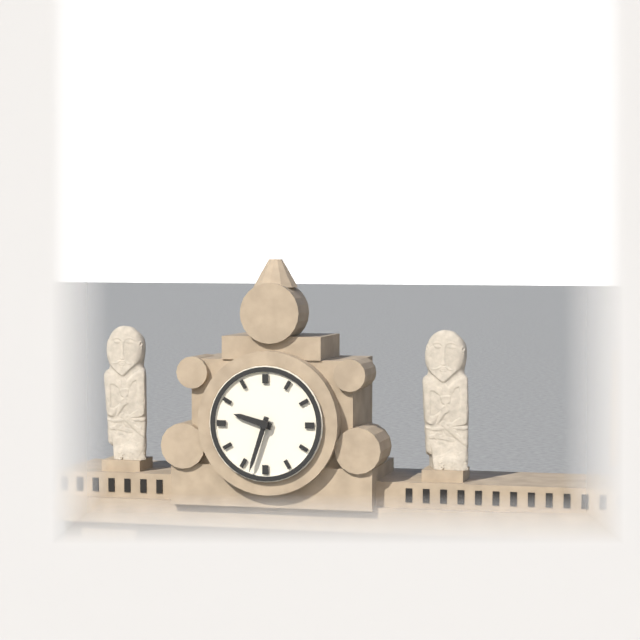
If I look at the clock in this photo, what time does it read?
9:33
